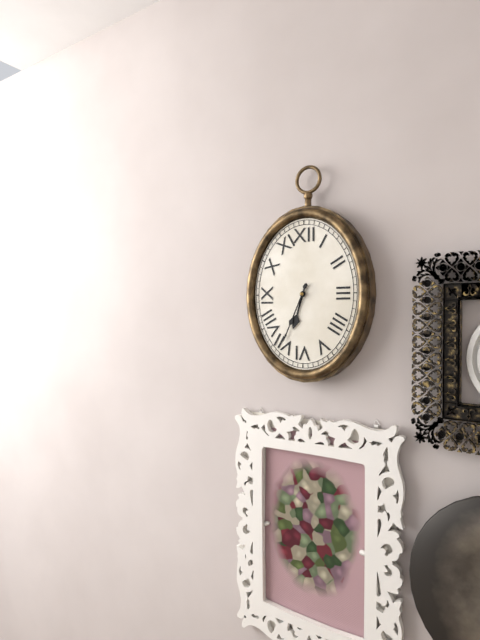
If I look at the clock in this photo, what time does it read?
6:34
